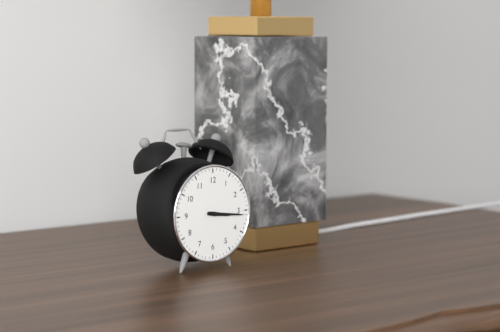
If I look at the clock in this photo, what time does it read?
3:16
